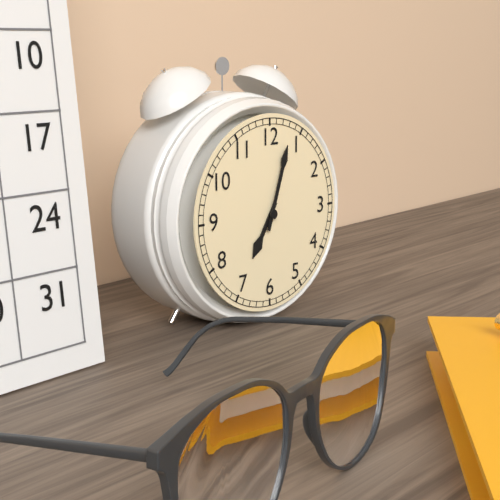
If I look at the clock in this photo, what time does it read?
7:03
